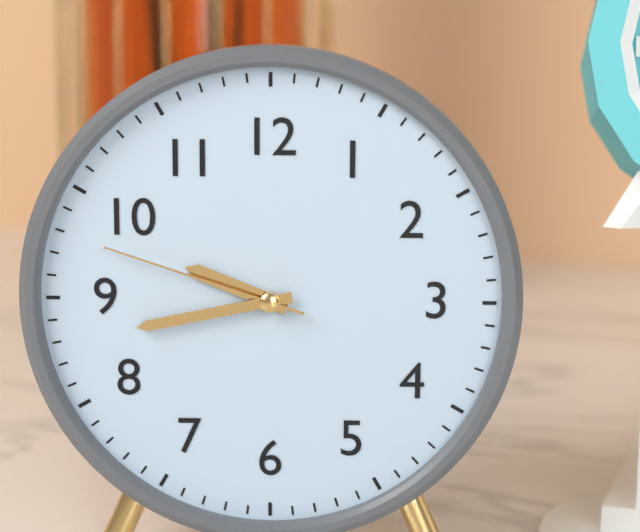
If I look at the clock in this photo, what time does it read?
9:43:48
